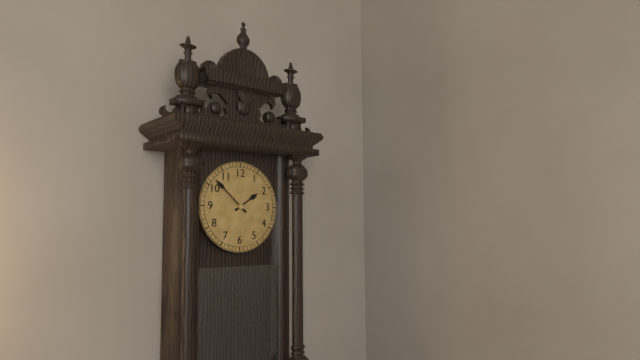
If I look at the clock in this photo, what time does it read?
1:52
